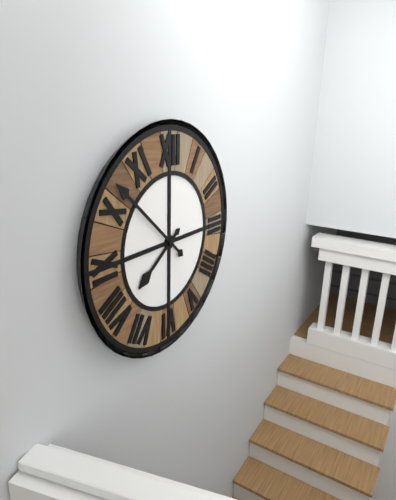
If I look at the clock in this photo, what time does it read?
7:52
